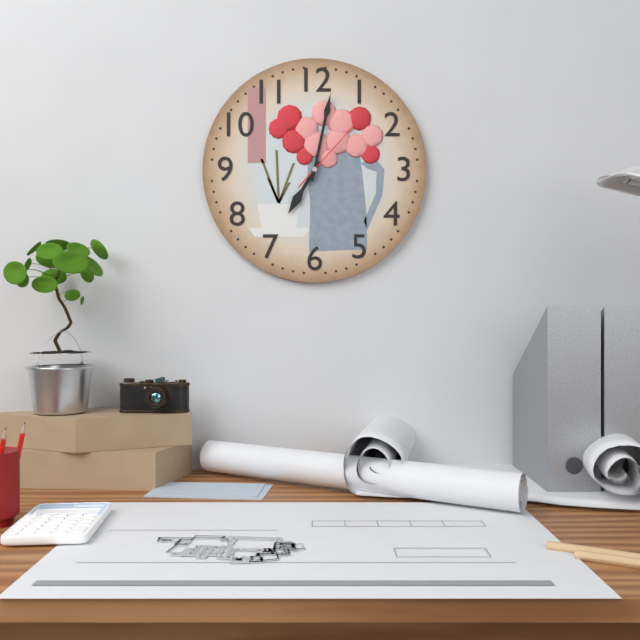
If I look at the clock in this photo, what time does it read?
7:02:07
